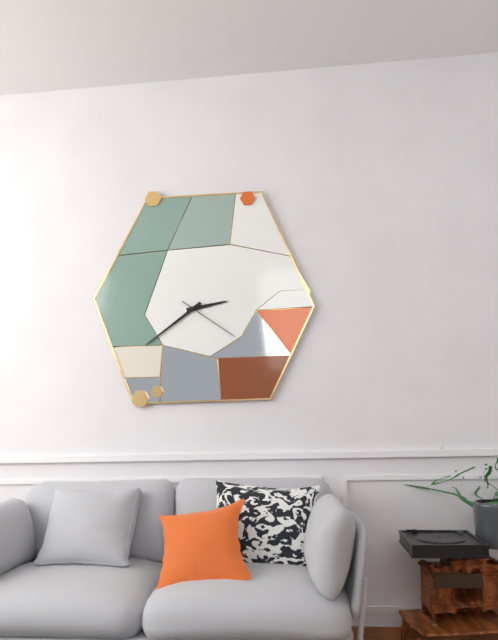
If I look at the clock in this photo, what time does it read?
2:39:21
